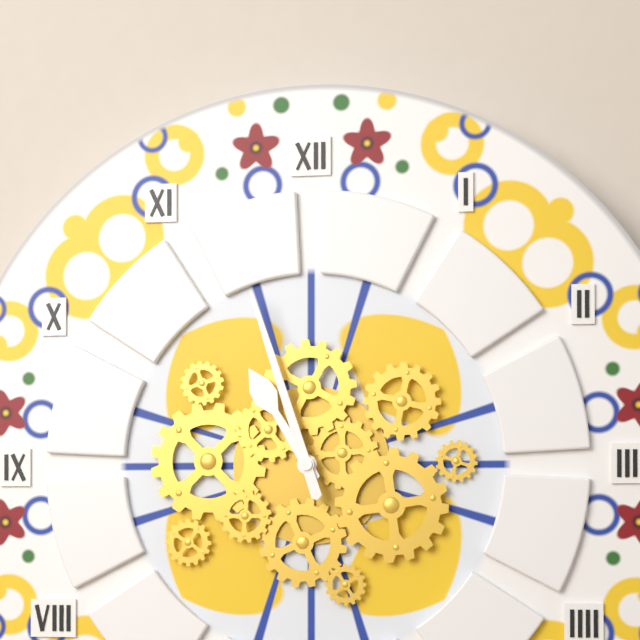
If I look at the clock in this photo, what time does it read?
10:57
